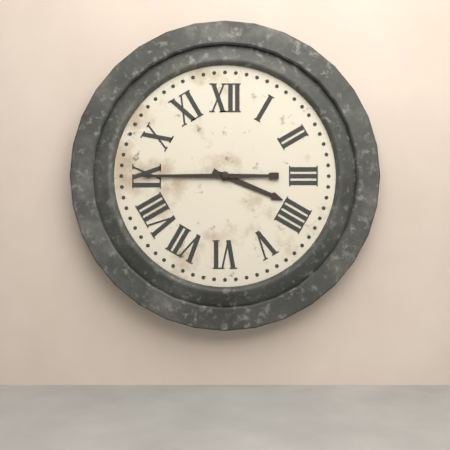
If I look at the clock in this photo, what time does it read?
3:45
